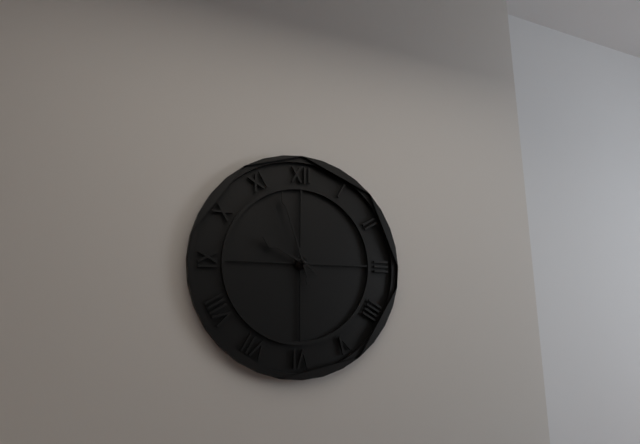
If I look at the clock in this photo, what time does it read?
9:57
